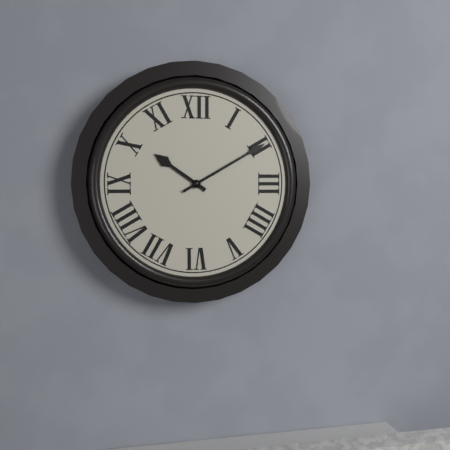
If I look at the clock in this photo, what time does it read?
10:10
